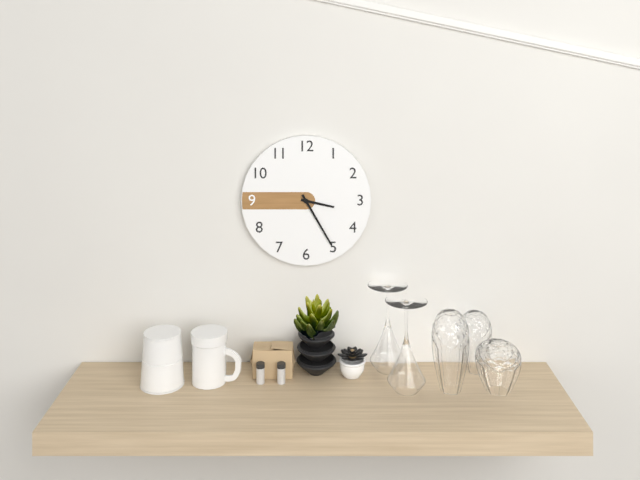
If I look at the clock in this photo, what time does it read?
3:25
